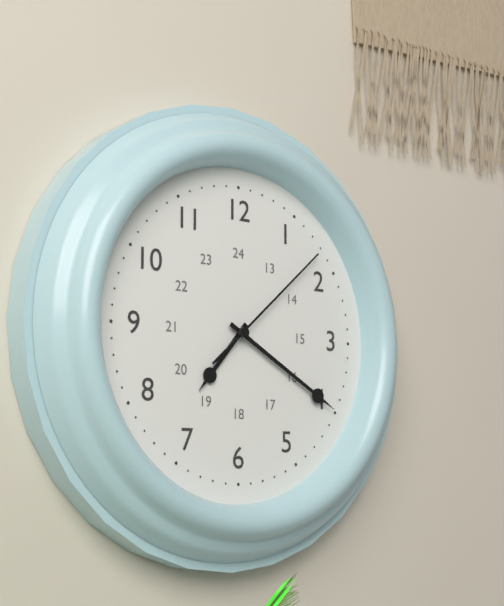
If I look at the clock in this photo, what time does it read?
7:20:08
